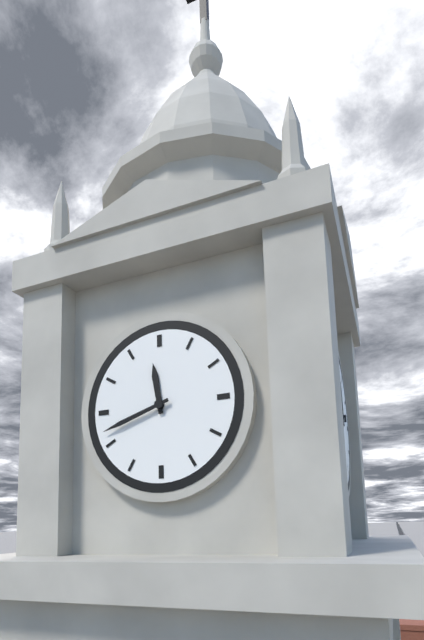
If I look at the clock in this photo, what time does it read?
11:42
